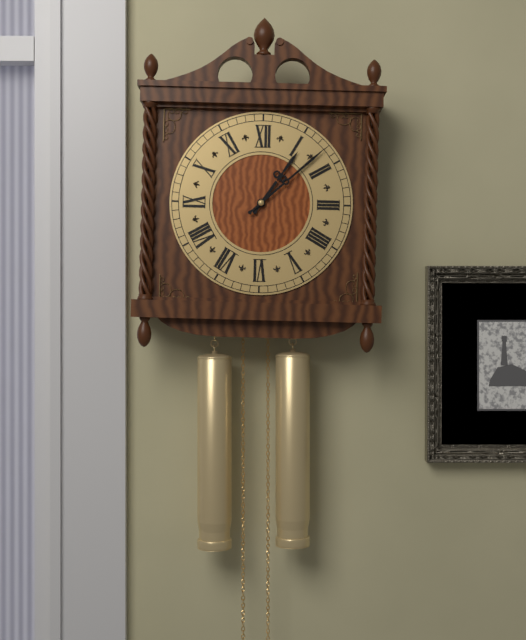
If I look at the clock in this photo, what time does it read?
1:08
